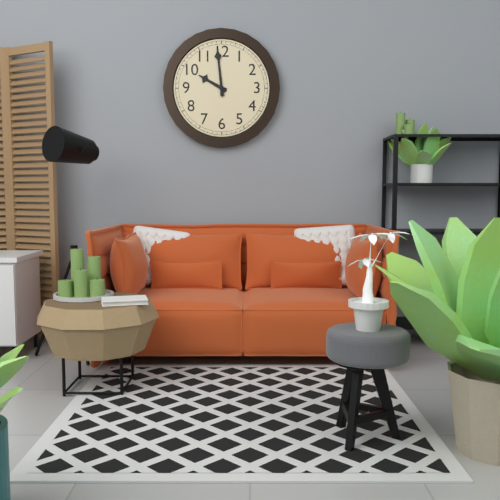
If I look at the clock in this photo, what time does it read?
9:59
